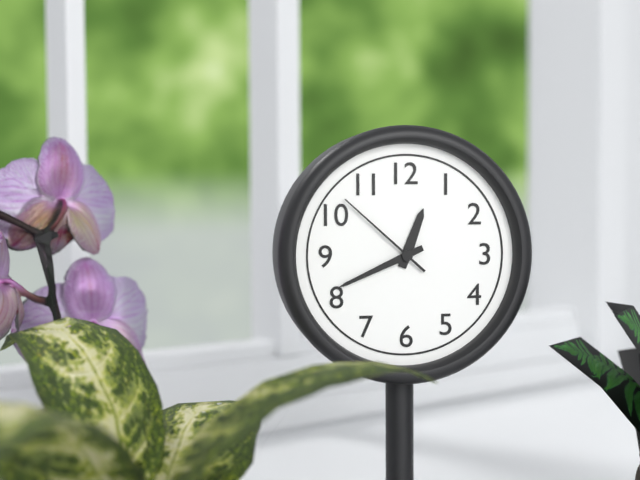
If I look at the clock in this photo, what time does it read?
12:41:52
